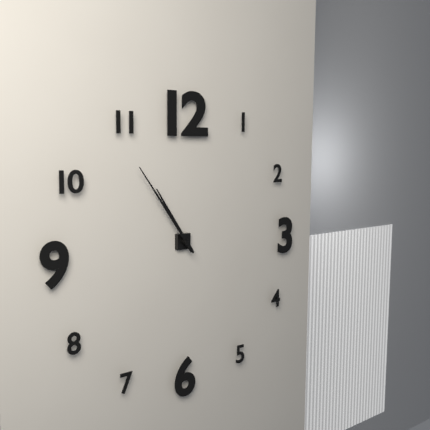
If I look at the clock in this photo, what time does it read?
10:54
